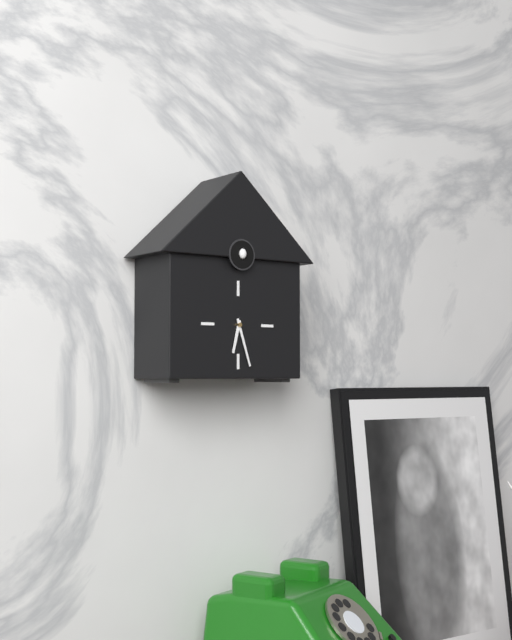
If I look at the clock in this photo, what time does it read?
6:27
